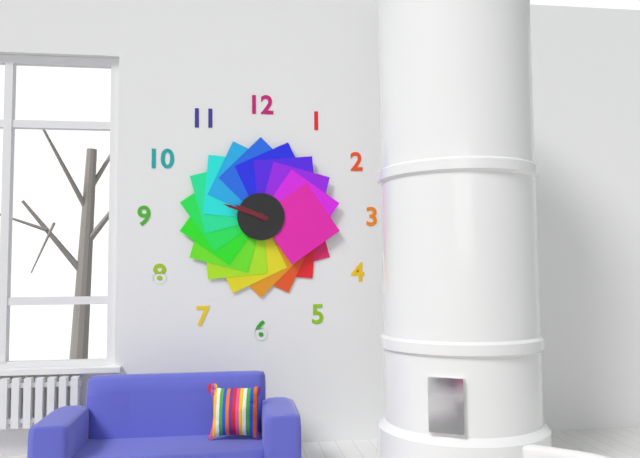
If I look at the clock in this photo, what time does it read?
9:48
